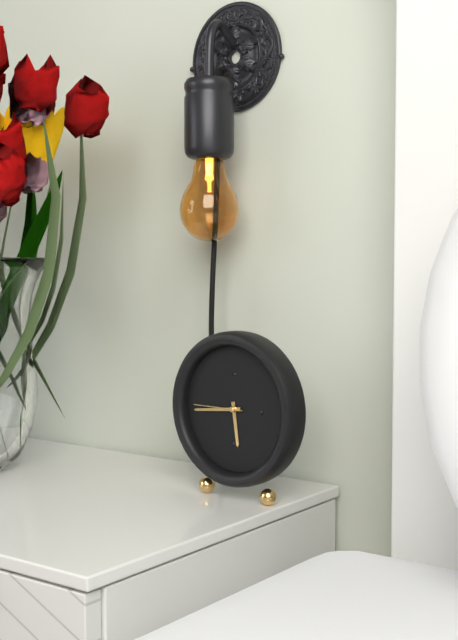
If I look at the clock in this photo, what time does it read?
5:44:45
